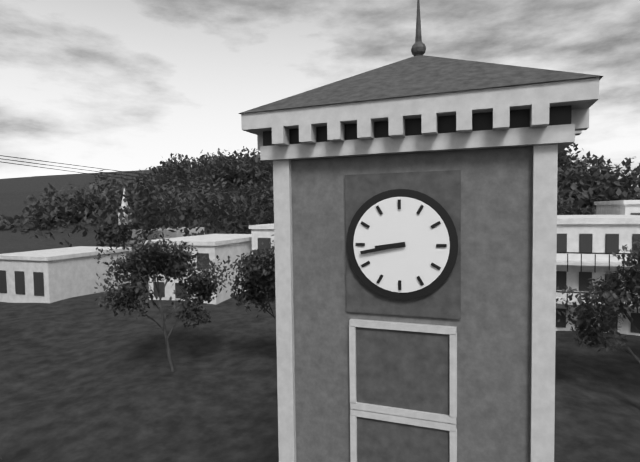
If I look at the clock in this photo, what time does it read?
8:43
